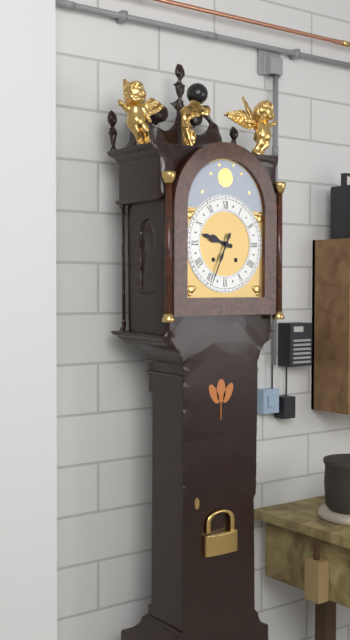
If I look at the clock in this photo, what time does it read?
9:34
